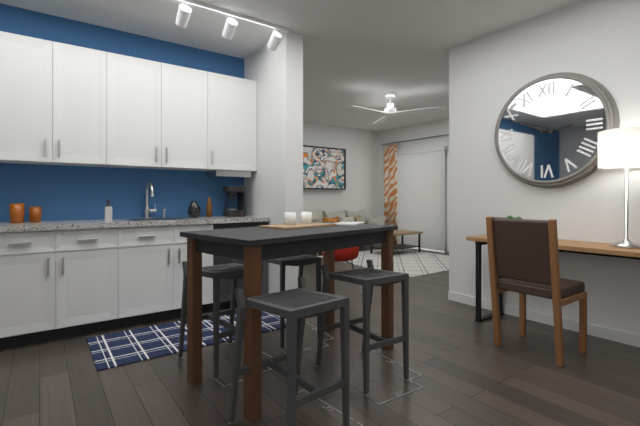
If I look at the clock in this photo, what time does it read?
2:49
